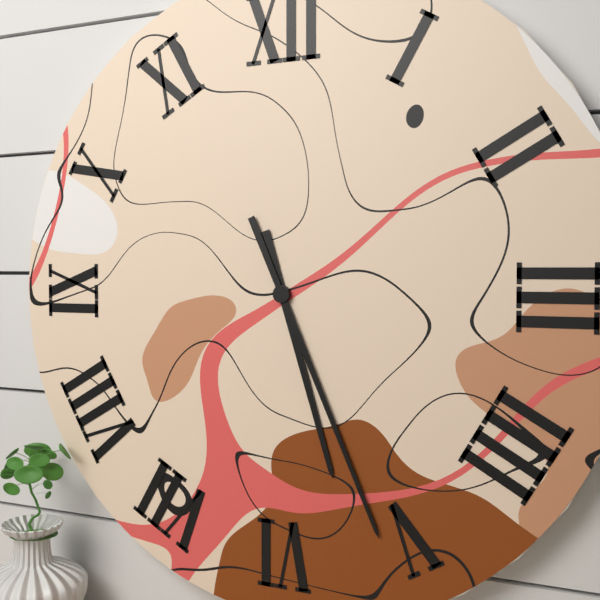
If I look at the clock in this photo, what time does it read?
5:26
